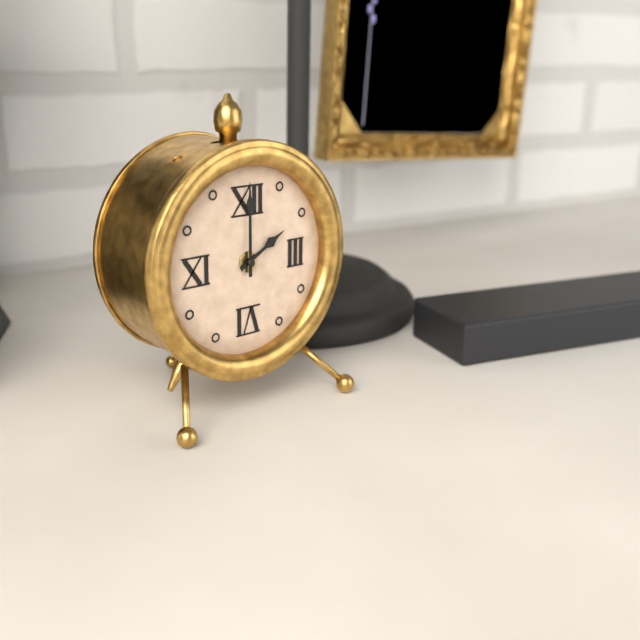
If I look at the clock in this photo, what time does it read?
2:00
